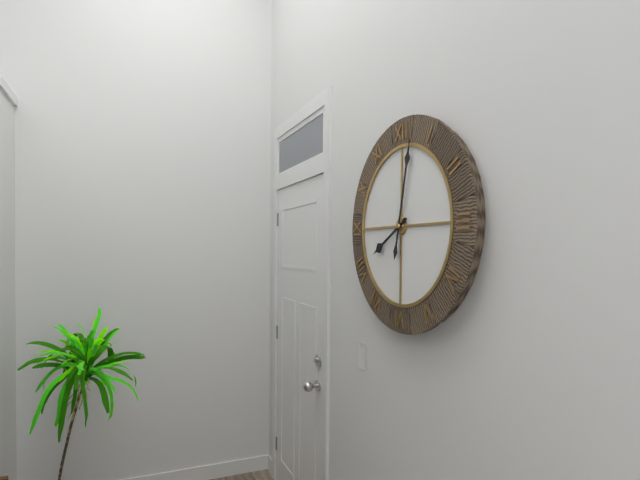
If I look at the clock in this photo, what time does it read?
8:02
